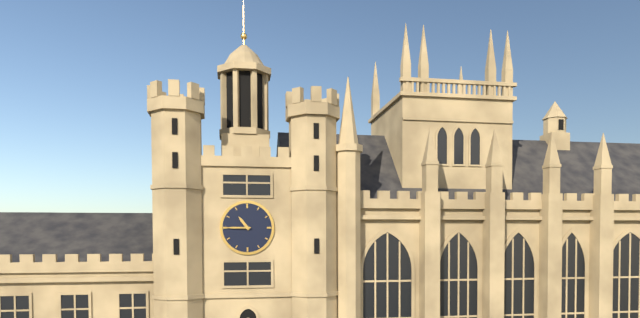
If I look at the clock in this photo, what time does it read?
10:45
